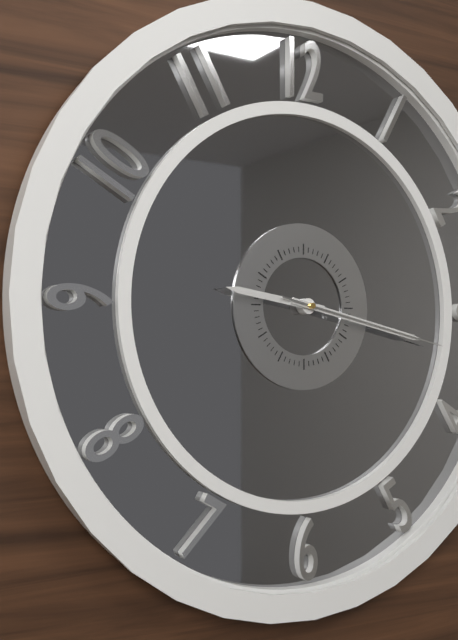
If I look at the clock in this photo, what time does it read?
9:17:17
